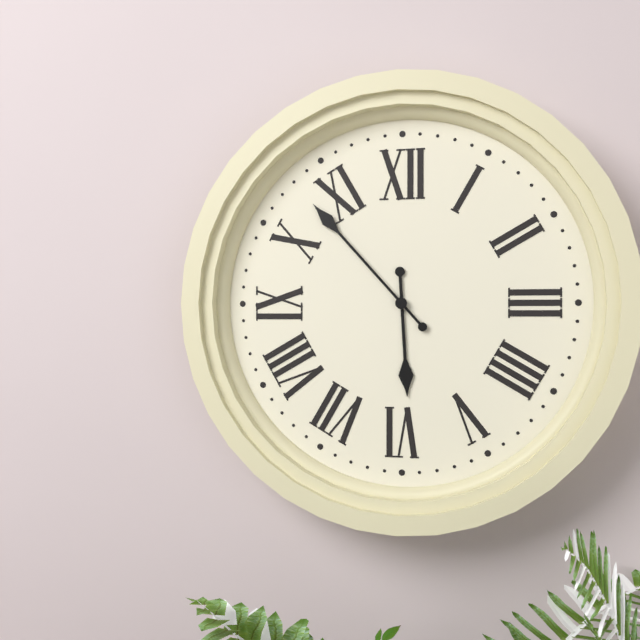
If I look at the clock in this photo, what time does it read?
5:53
